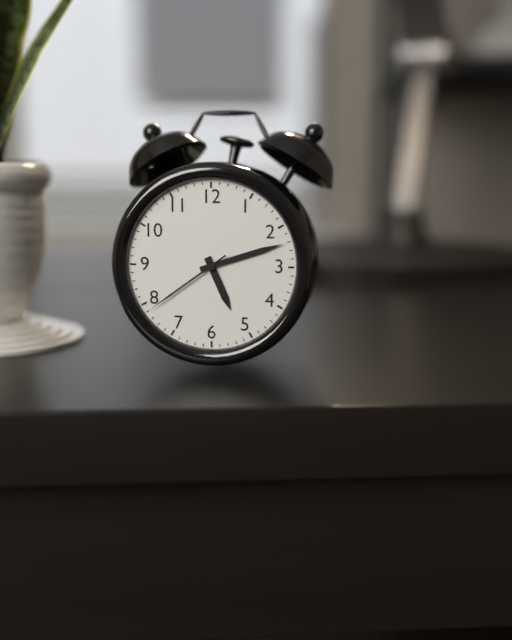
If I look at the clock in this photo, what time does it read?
5:12:39
